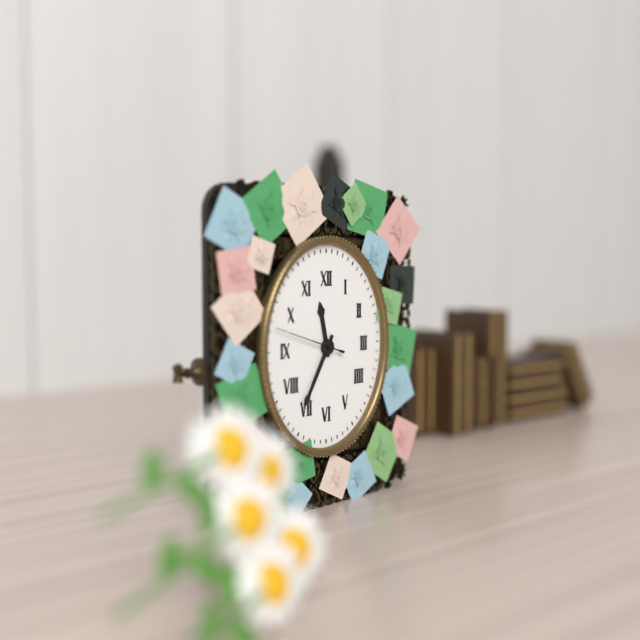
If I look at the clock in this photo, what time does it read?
11:35:48
